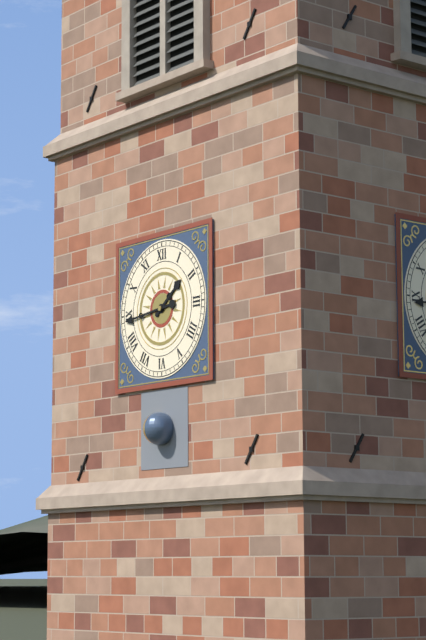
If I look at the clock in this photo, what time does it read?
1:44
